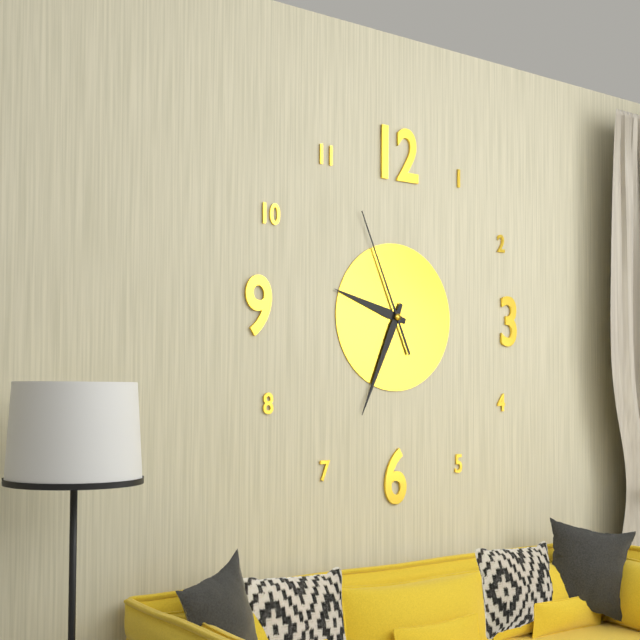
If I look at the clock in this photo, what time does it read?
9:34:56
